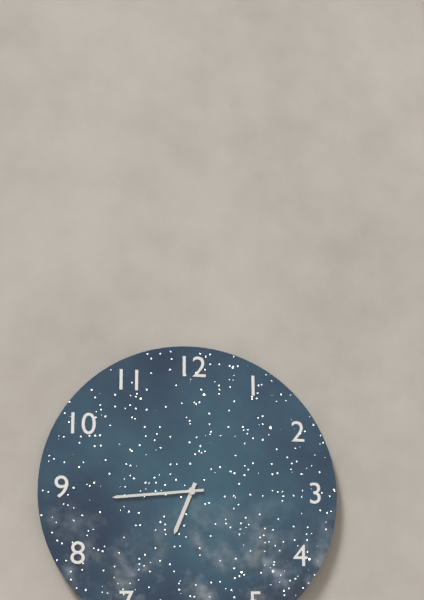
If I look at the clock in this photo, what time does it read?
6:44
